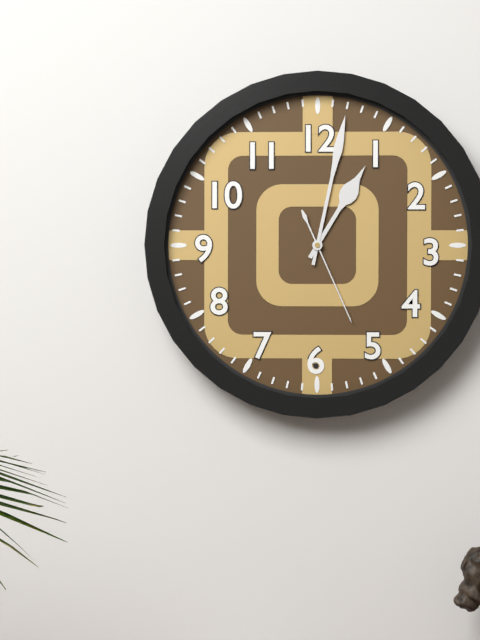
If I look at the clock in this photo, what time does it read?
1:02:26
